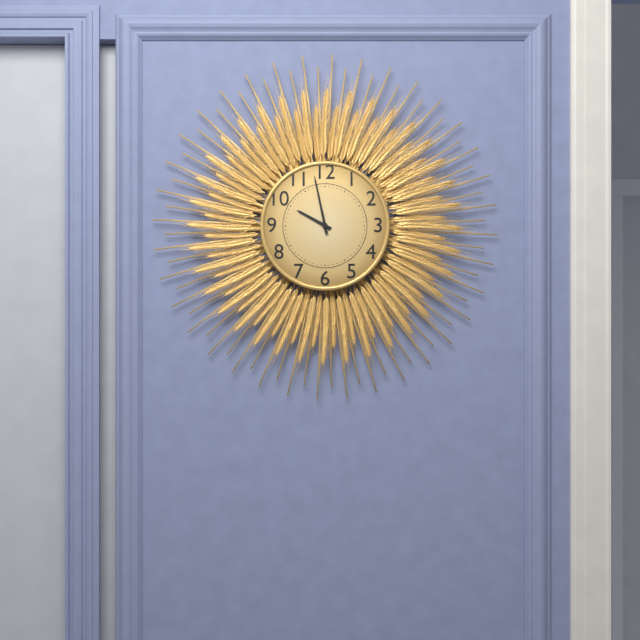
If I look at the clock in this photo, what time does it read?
9:58
